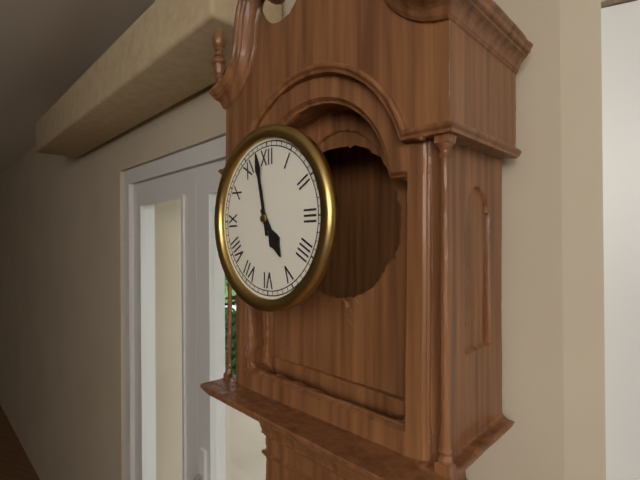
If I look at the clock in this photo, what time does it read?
4:58
